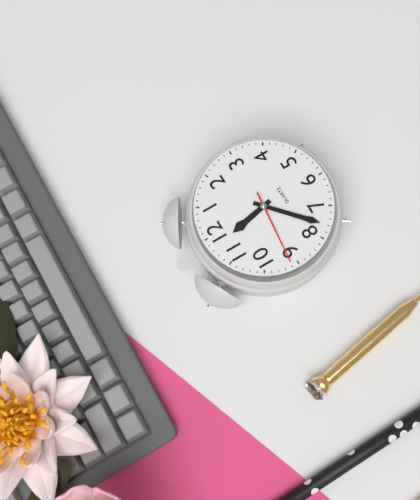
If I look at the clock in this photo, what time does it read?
11:38:46
